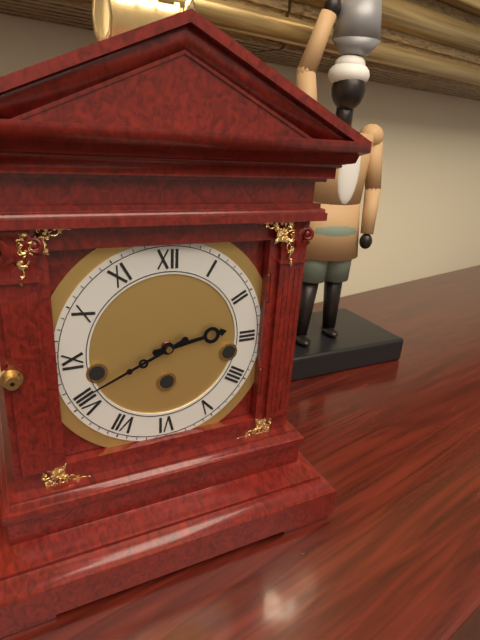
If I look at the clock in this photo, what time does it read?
2:41
